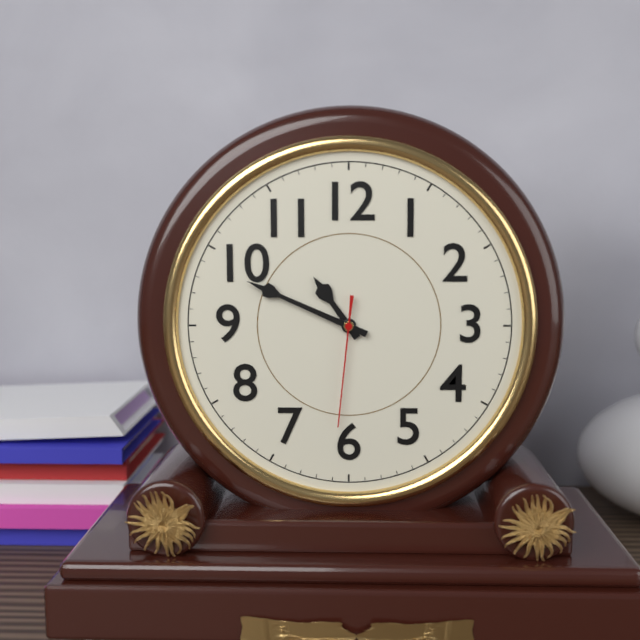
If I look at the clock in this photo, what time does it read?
10:49:31
